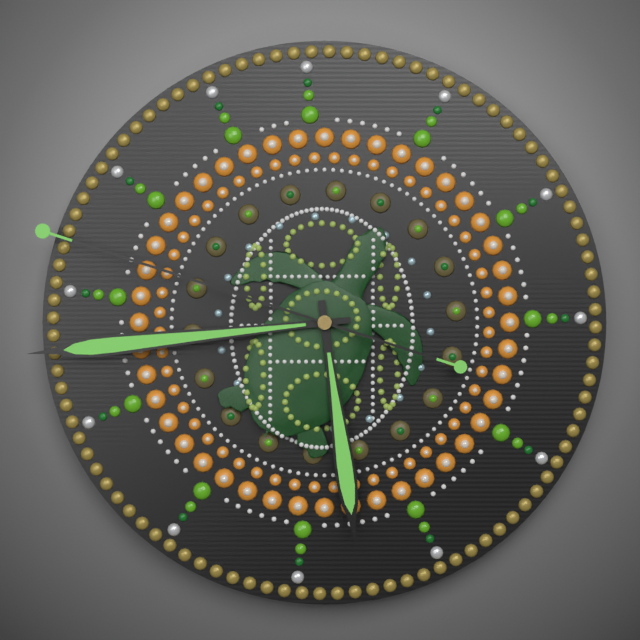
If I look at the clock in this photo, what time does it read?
5:44:48
